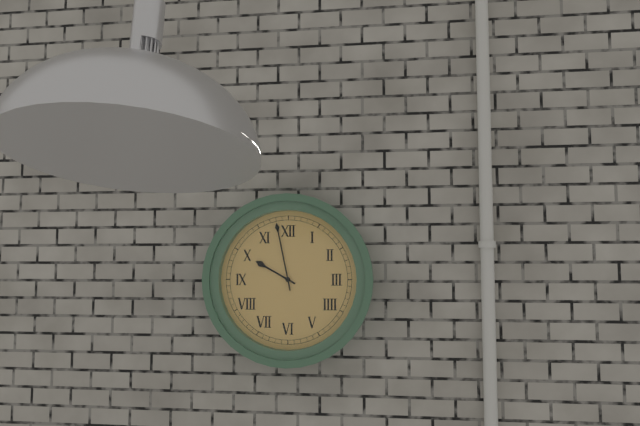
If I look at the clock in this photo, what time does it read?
9:58
